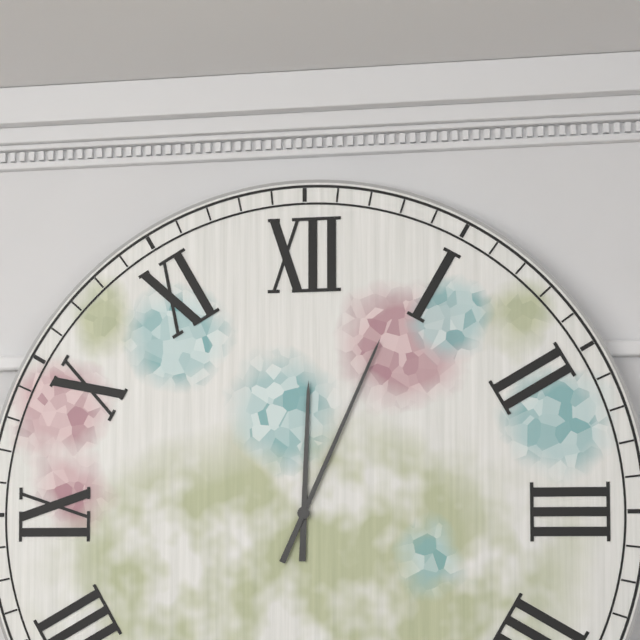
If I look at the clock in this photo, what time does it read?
12:04
